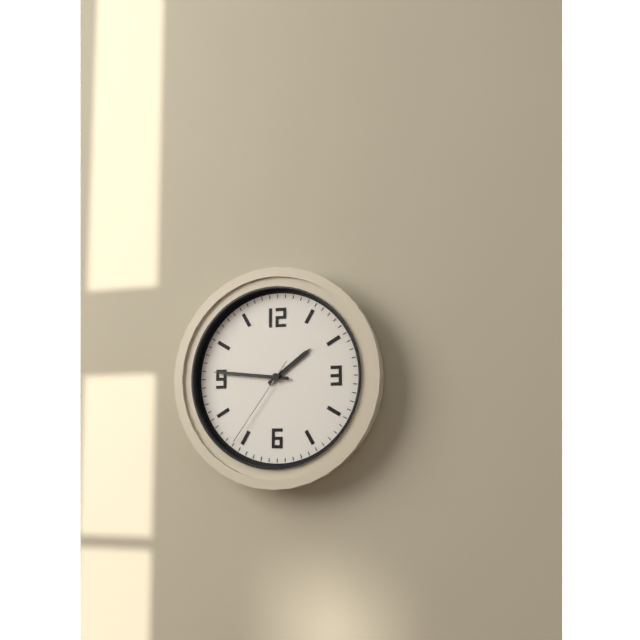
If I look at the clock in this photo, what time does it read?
1:46:36
